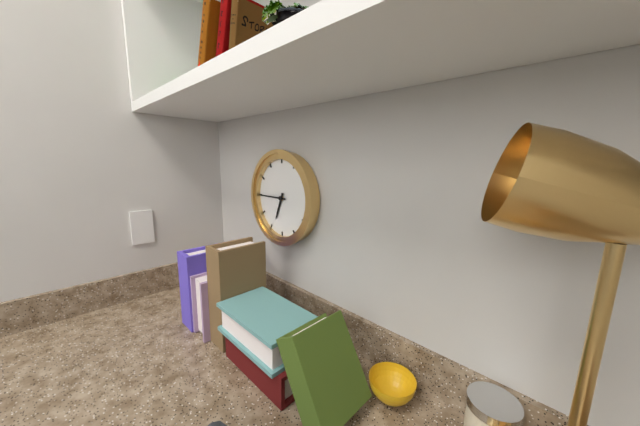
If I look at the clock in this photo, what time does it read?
6:45
